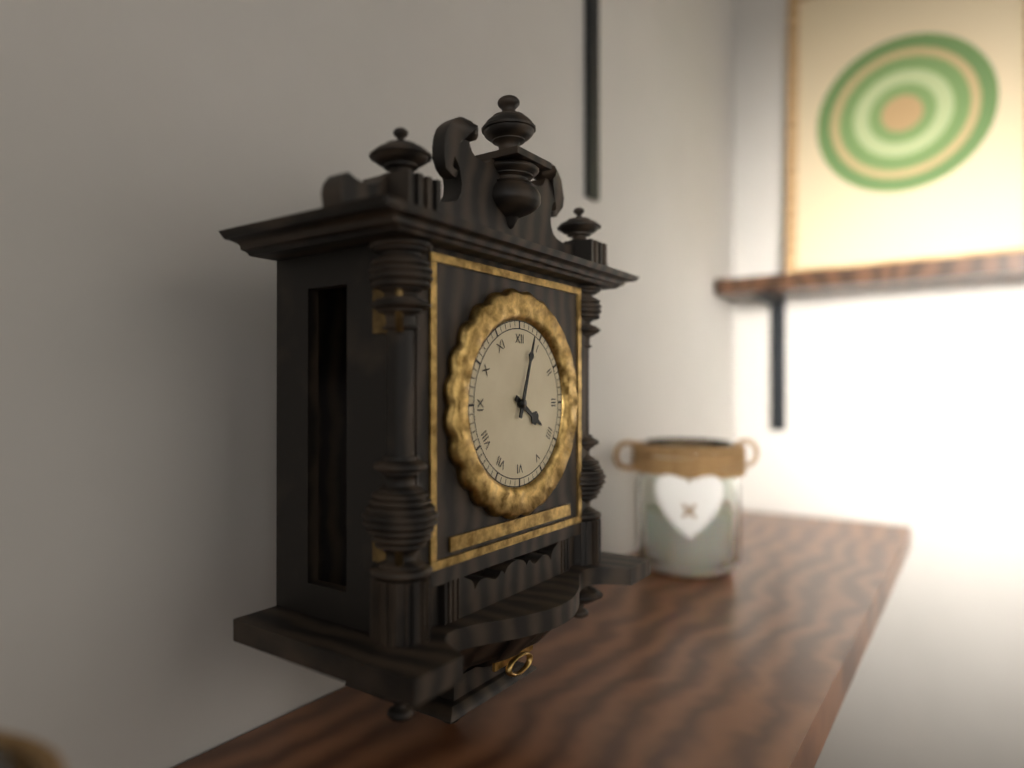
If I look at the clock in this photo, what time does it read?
4:03
